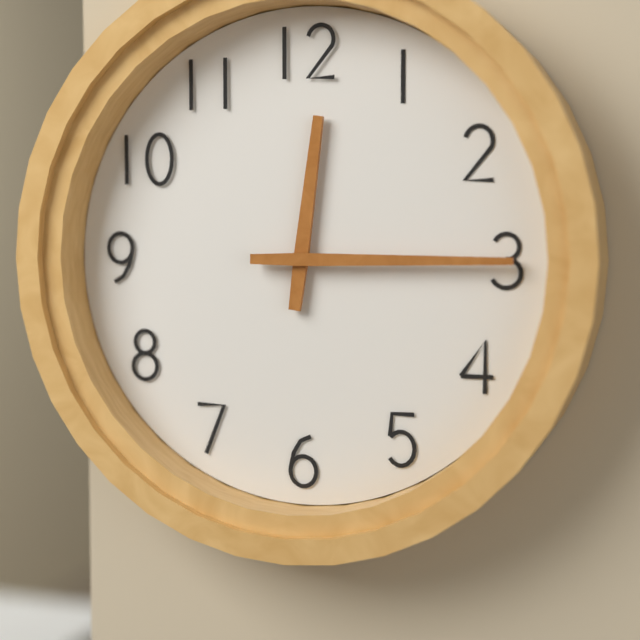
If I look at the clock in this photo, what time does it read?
12:15
